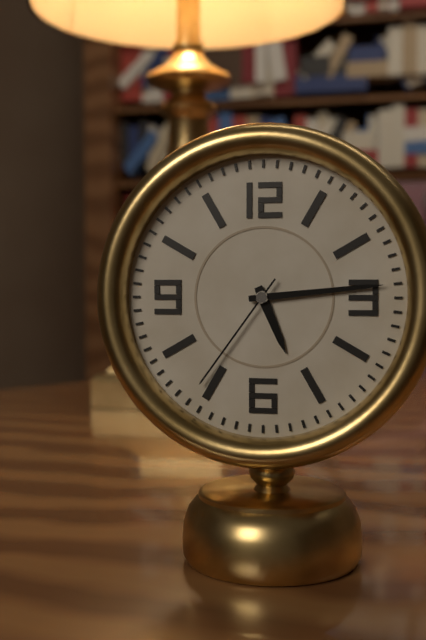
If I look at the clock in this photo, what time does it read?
5:14:36
